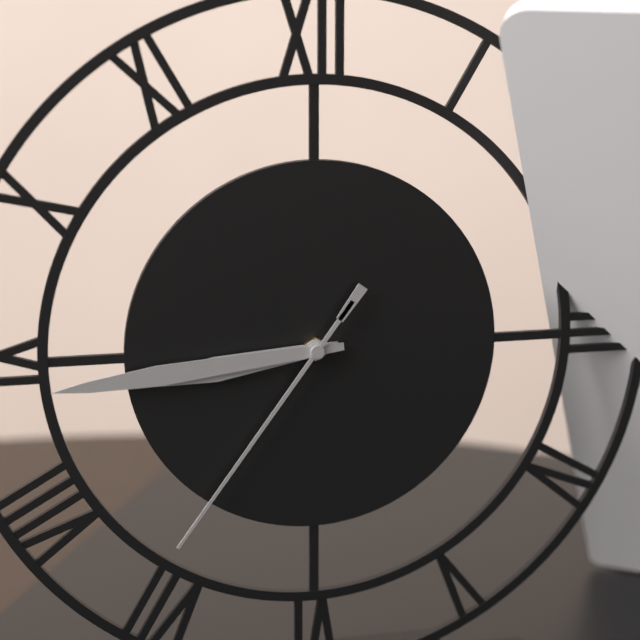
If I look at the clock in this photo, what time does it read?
8:44:36
